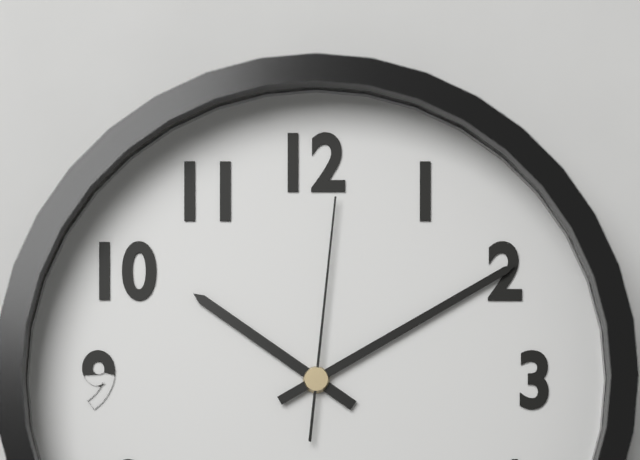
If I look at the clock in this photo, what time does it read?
10:10:01
